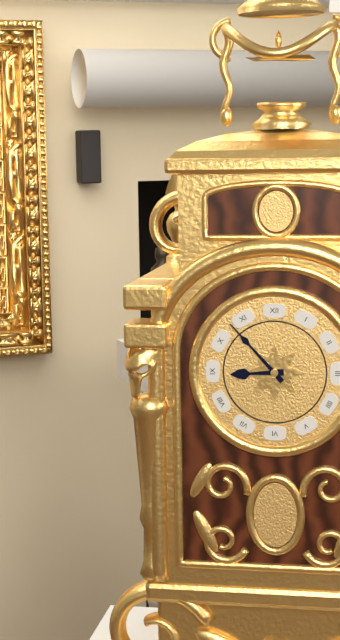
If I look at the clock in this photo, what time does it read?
8:53
